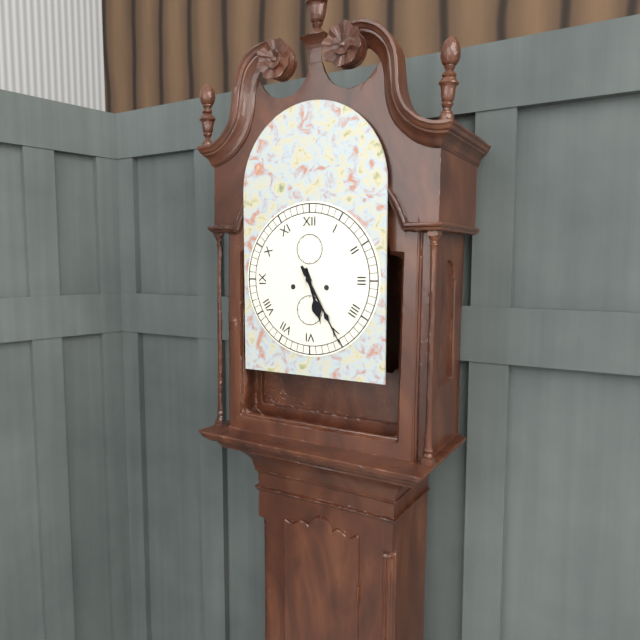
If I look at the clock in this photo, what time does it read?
5:25
